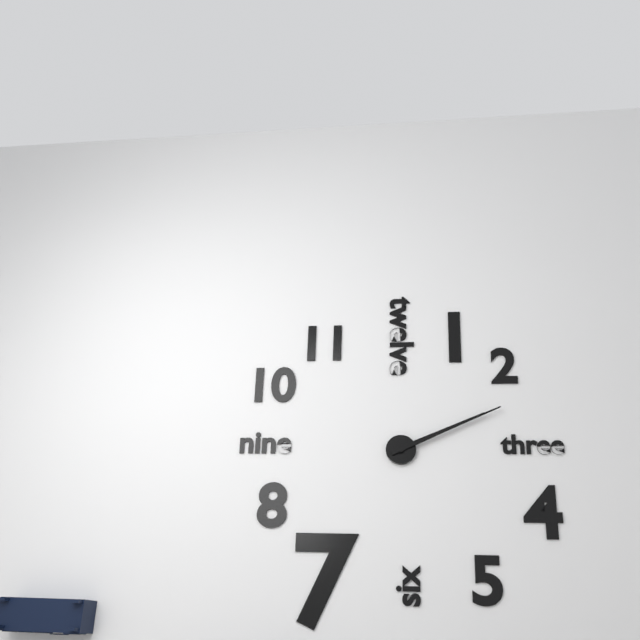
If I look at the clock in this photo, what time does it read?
2:11
